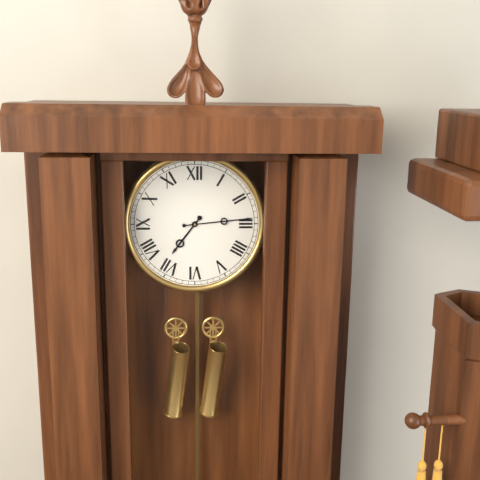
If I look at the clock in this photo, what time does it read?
7:14
